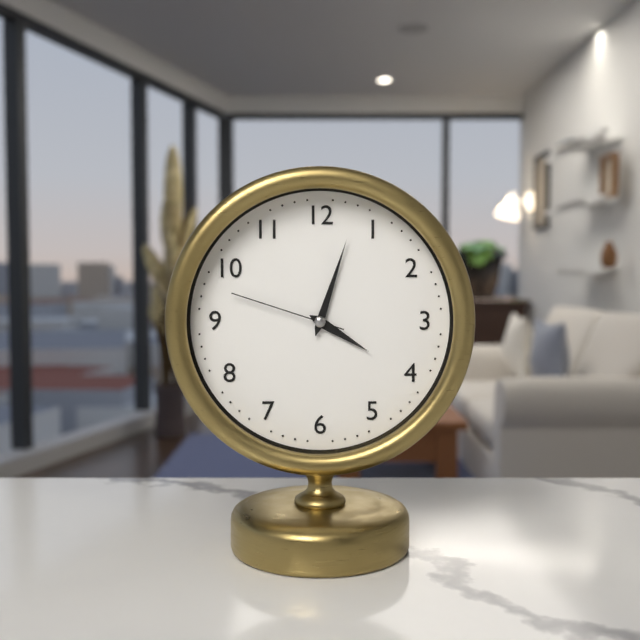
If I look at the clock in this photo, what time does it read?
4:03:48
